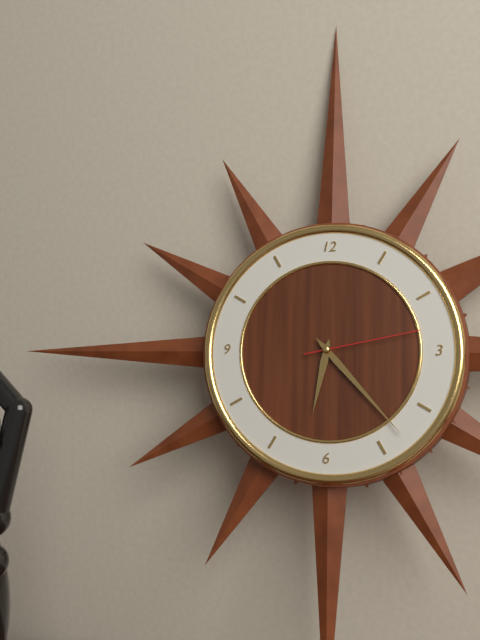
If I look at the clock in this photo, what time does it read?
6:23:13
